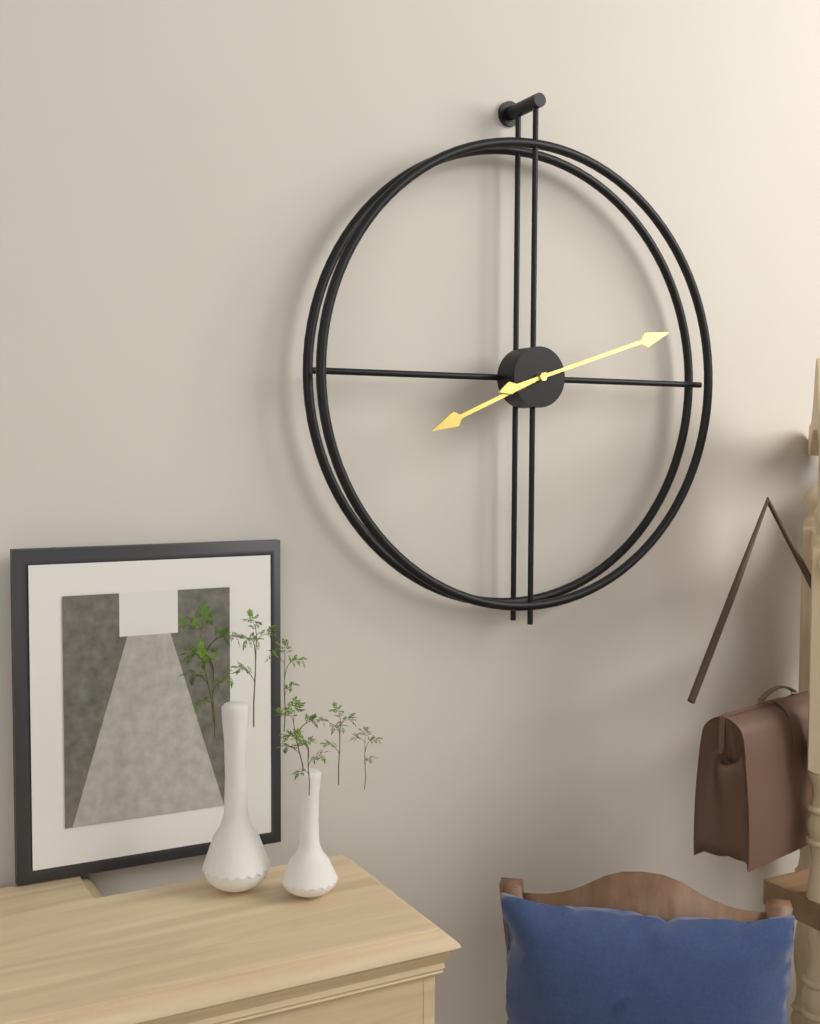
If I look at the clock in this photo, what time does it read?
8:12
